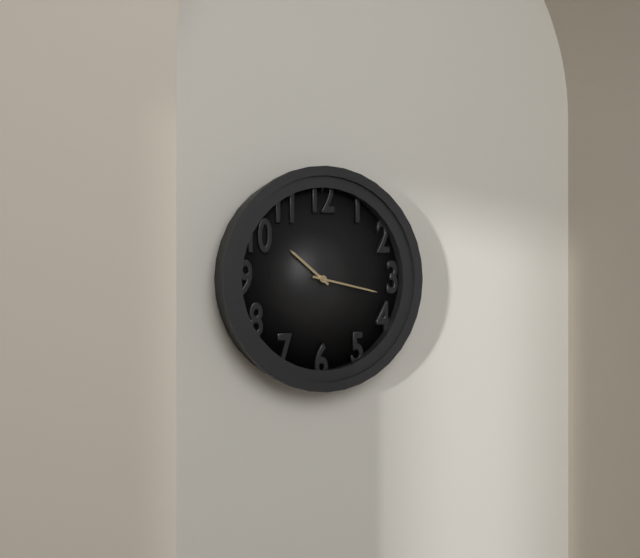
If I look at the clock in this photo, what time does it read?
10:17
